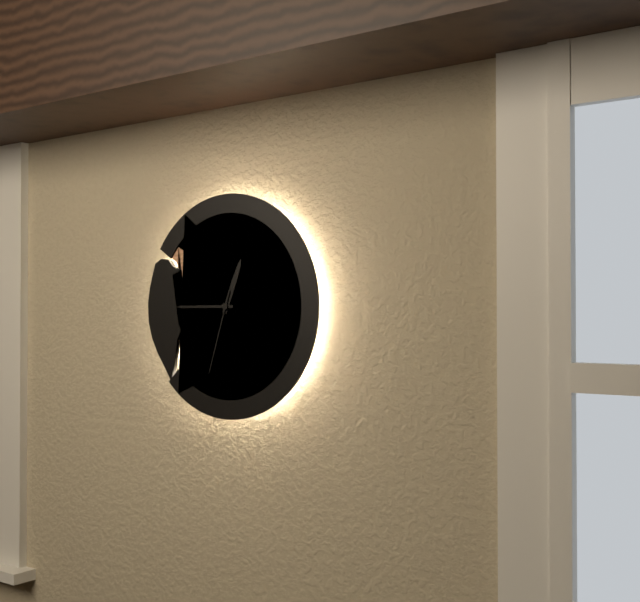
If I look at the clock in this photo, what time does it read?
12:45:33
